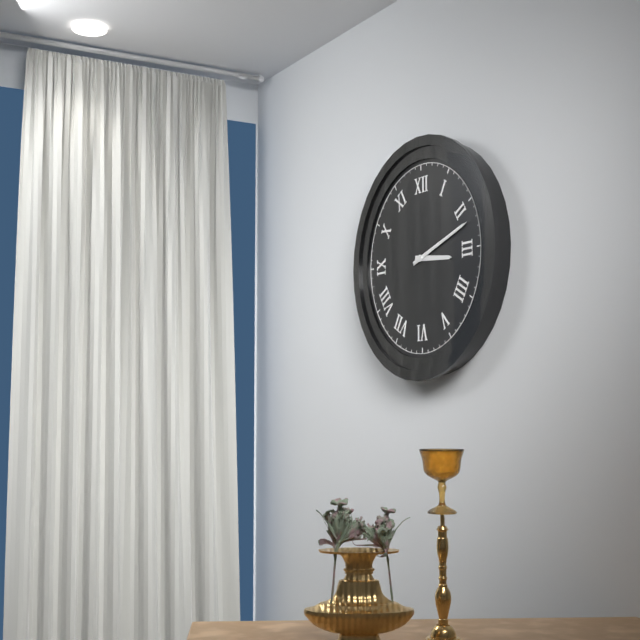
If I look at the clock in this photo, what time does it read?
3:12
